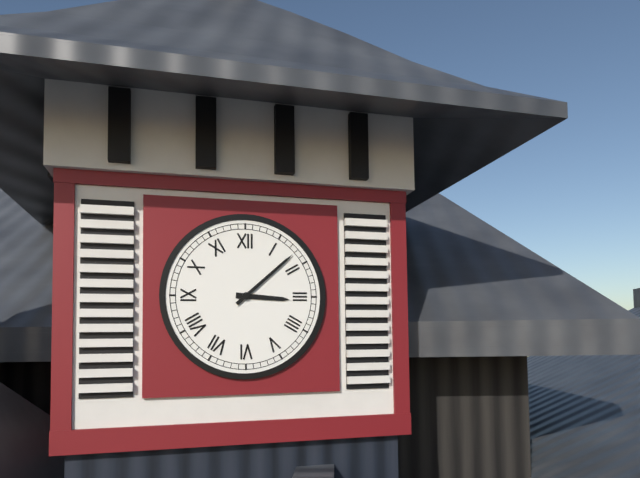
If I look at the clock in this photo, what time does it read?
3:08
